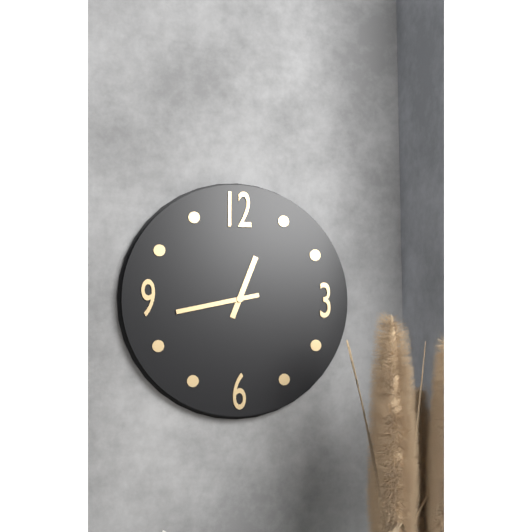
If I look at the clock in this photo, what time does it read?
12:43
